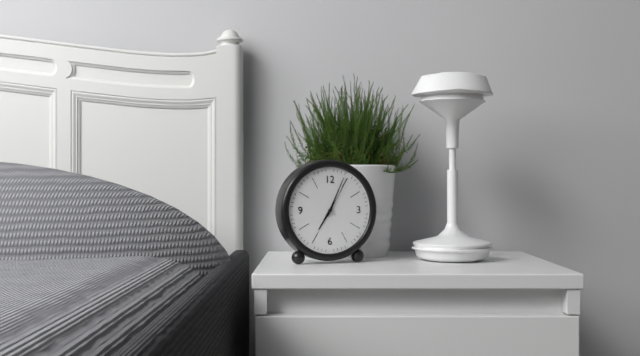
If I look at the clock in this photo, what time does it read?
7:04
